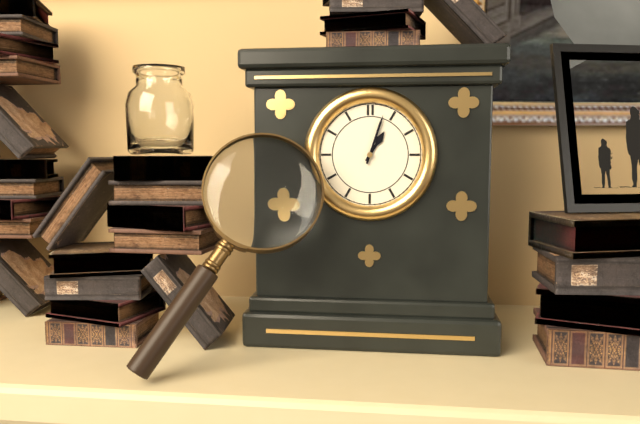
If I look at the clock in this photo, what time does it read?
1:03
